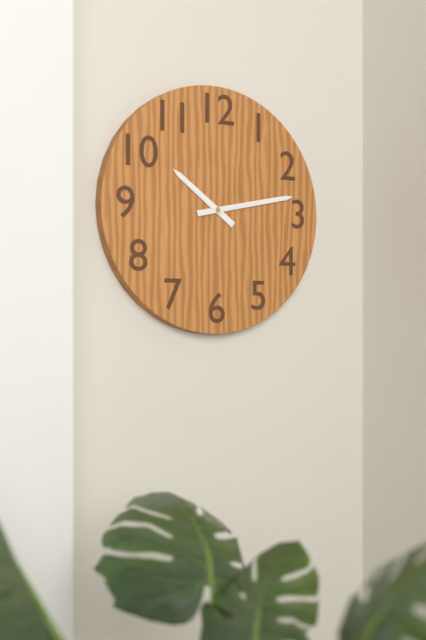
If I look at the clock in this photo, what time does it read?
10:13
